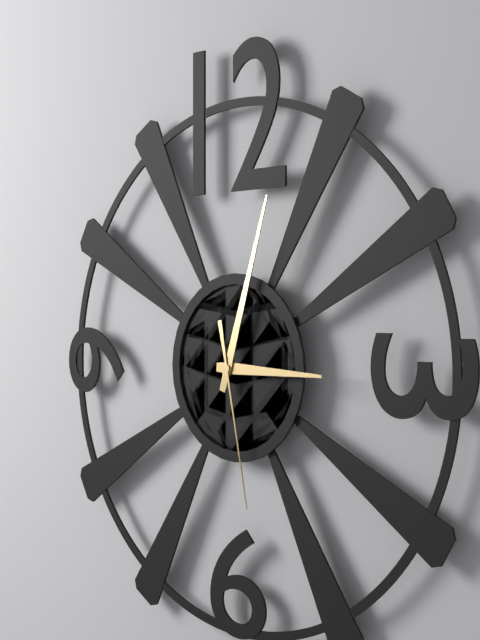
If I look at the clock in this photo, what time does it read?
3:03:28
